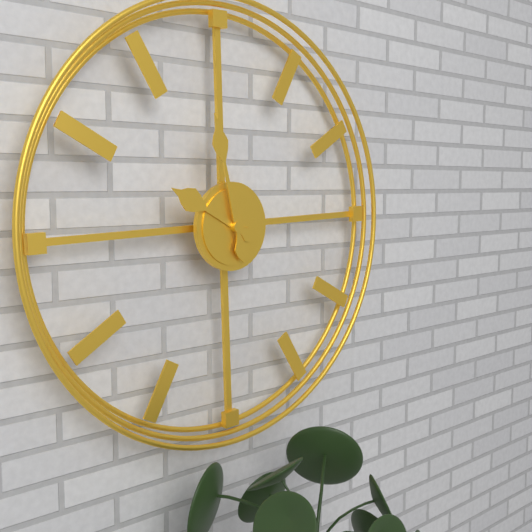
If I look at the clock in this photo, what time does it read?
9:58
